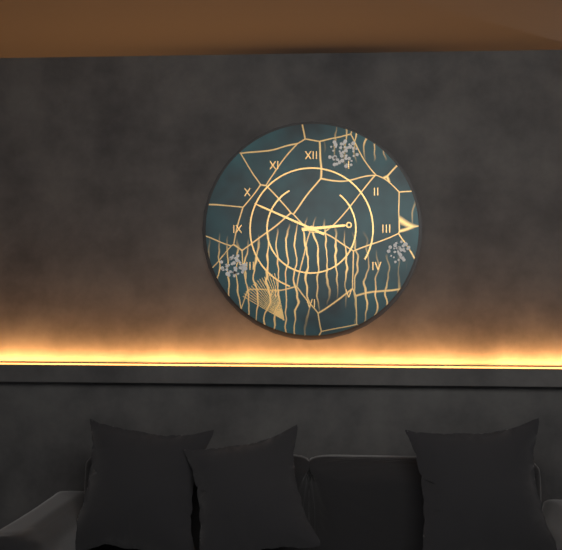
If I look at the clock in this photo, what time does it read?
2:49
